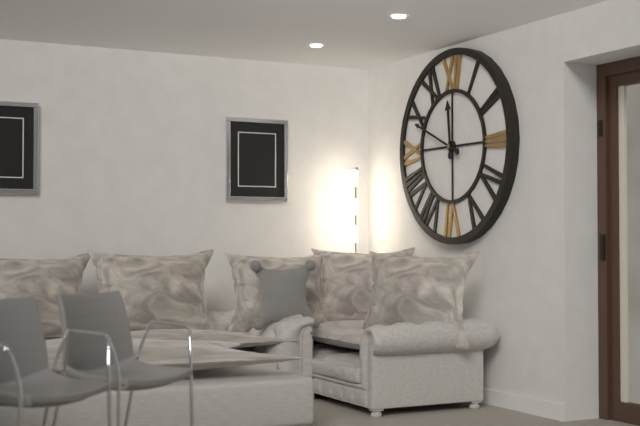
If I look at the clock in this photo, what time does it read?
11:49
